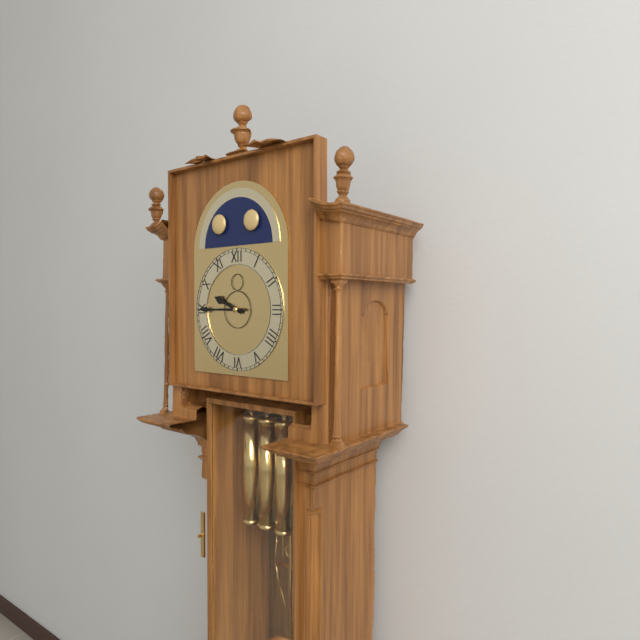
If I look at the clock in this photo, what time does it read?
9:45
